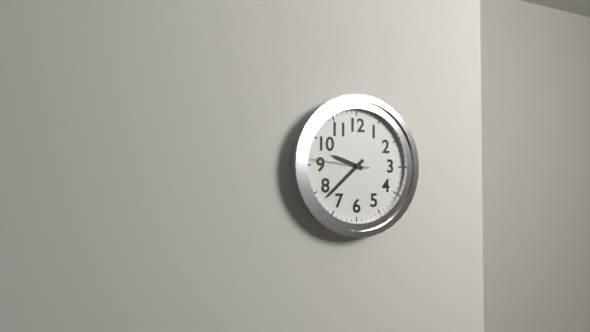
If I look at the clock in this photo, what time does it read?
9:38:46
